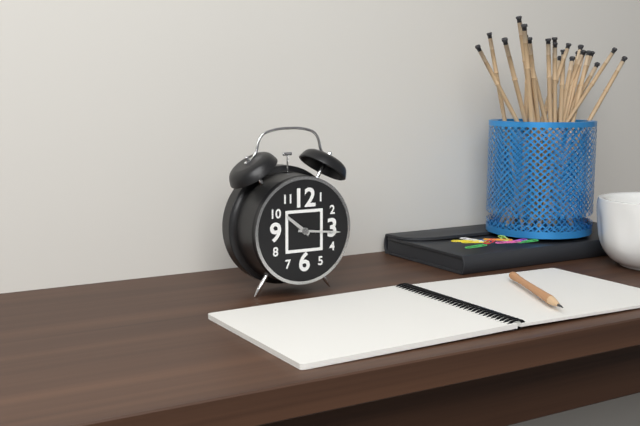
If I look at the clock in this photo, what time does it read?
10:16
